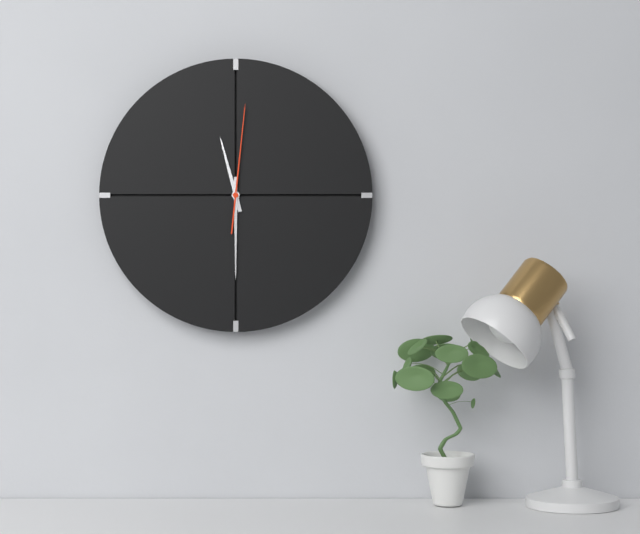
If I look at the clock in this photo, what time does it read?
11:30:01
